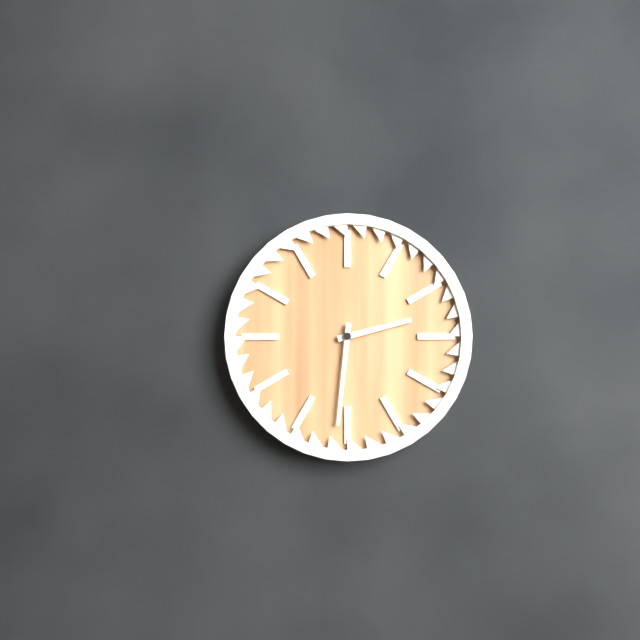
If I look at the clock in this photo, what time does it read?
2:31
